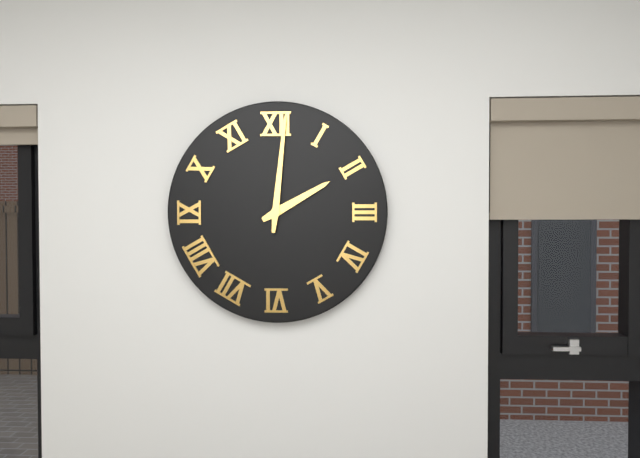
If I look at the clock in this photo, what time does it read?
2:01
